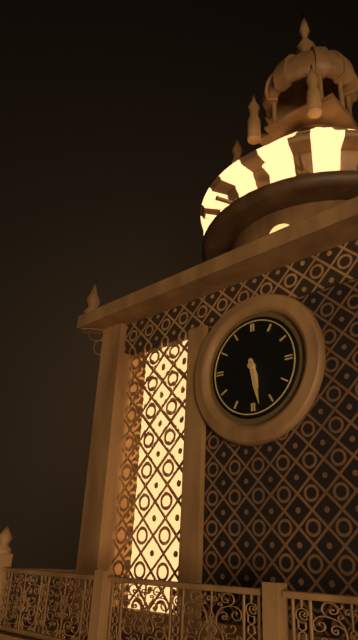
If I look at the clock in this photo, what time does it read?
5:28
